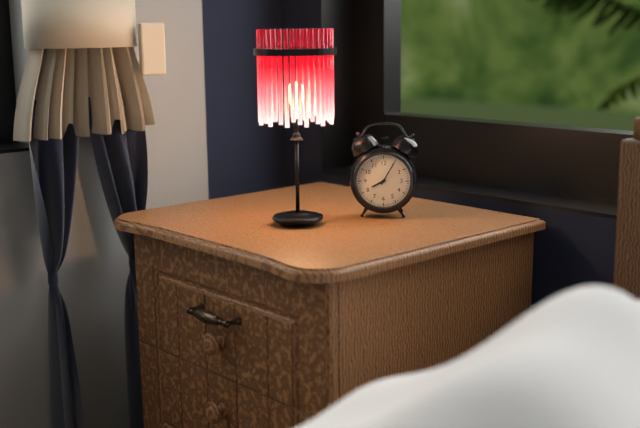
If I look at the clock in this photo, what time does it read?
8:05
